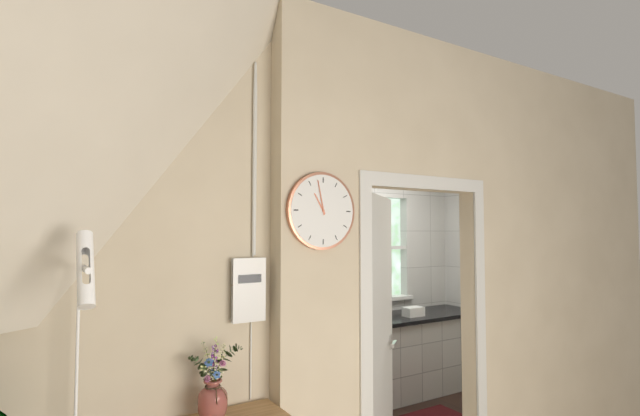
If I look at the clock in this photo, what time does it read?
10:58
